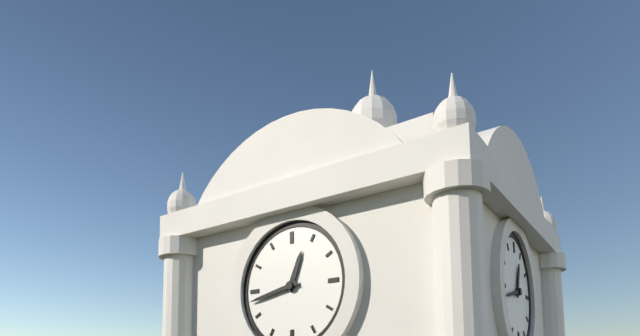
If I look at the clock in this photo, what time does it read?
12:43
